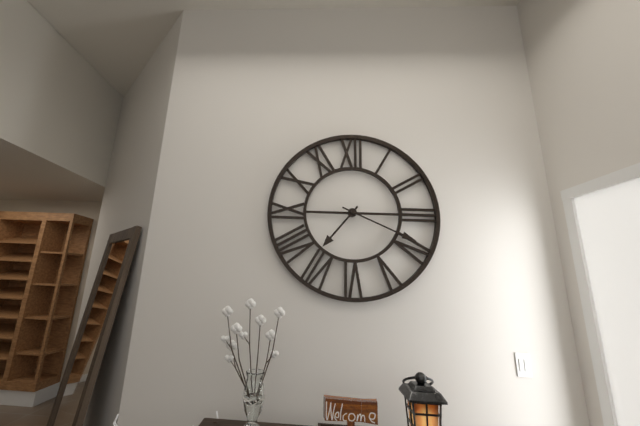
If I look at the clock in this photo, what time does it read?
7:19
